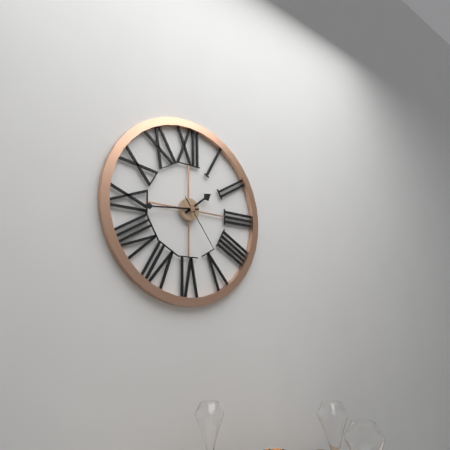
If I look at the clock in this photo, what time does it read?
1:44:24
